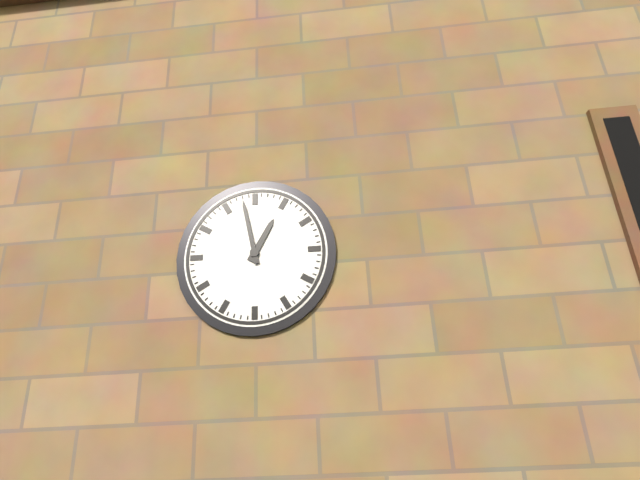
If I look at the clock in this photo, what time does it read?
12:58
